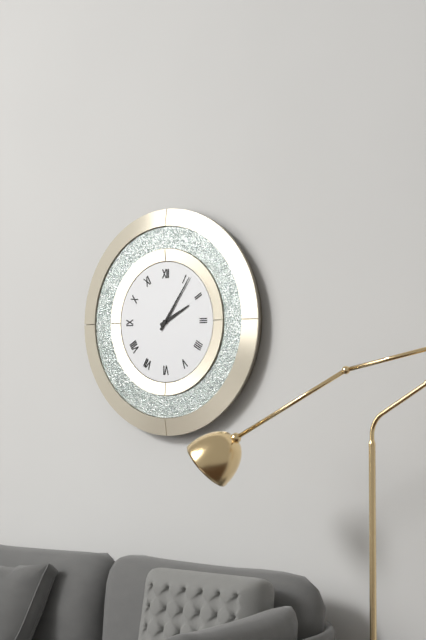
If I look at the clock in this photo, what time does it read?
2:06
